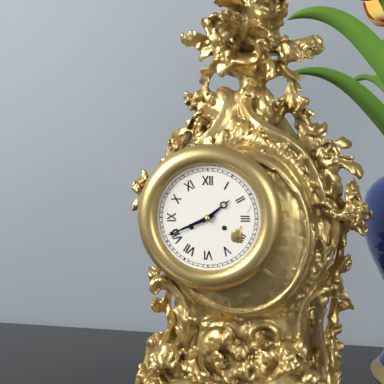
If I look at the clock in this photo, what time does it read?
1:41
